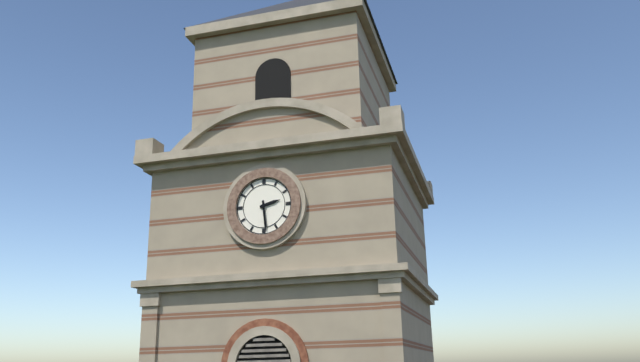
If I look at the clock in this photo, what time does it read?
2:29
